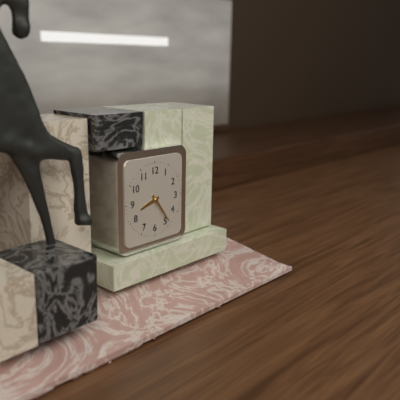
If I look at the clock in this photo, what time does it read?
8:24
